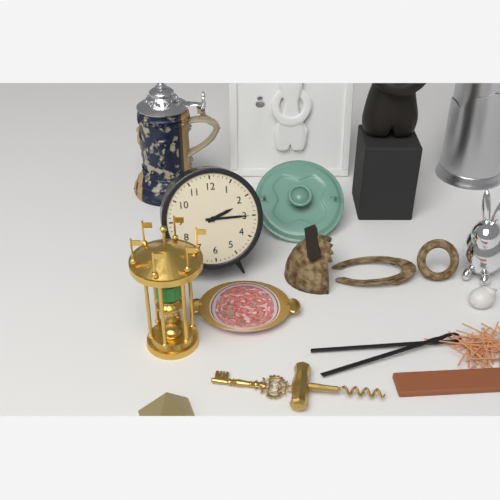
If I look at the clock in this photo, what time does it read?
2:15
